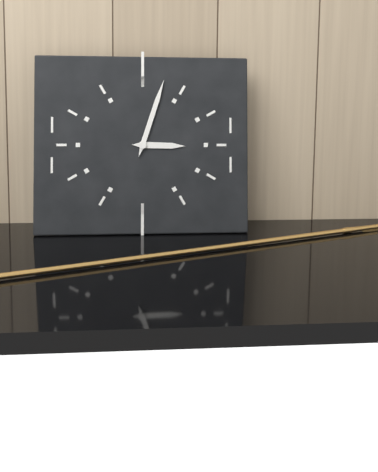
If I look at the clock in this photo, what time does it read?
3:03
